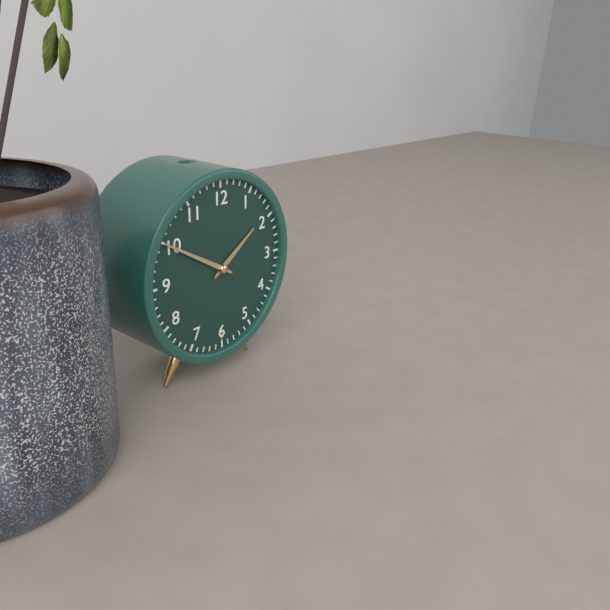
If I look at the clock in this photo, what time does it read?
1:50
